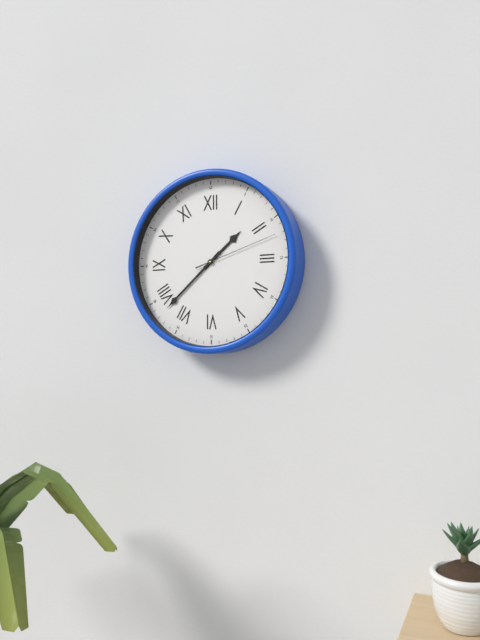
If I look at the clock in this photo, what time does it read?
1:38:12
